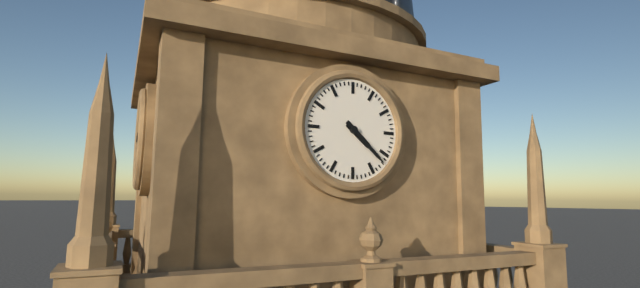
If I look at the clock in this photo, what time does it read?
4:22
